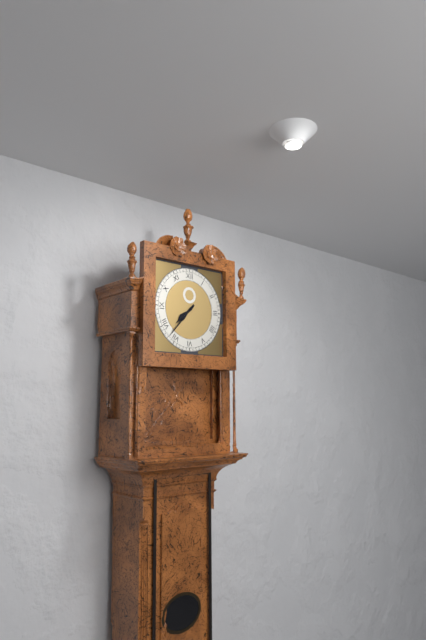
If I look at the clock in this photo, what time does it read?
7:37
